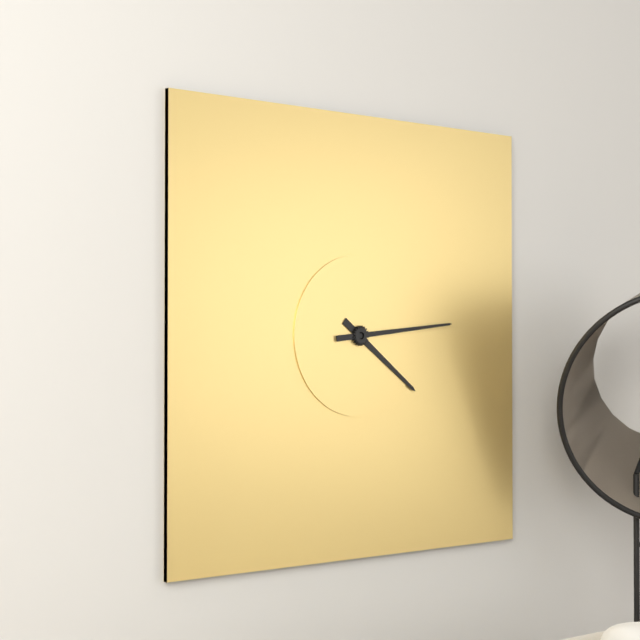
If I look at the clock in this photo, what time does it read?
4:14
